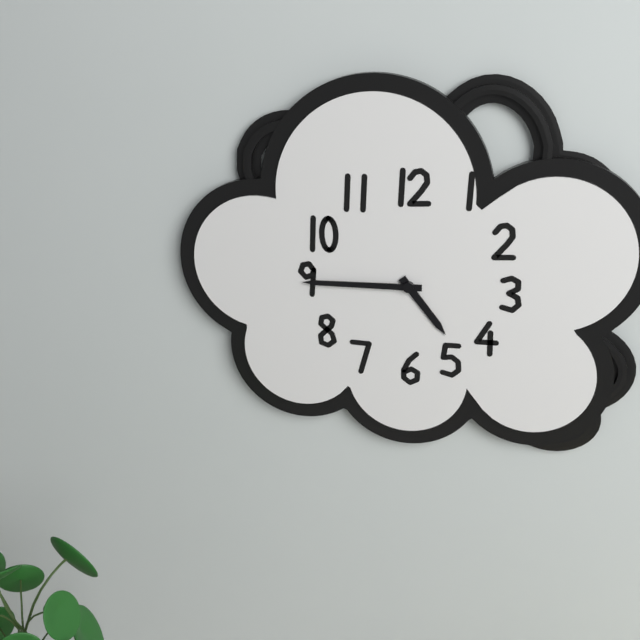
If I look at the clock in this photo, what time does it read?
4:45
